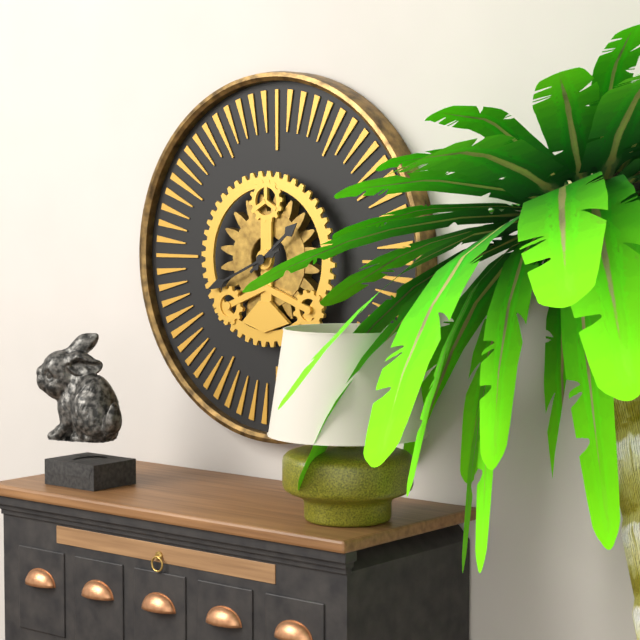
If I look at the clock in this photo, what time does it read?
1:41
